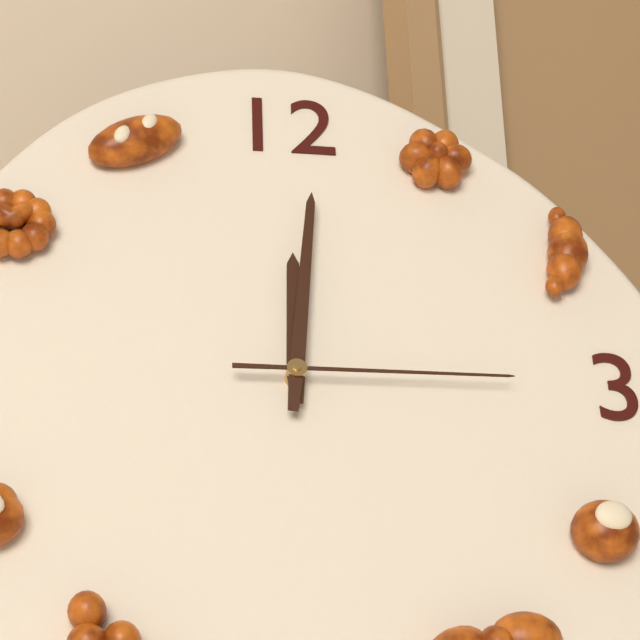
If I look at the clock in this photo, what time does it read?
12:01:15
